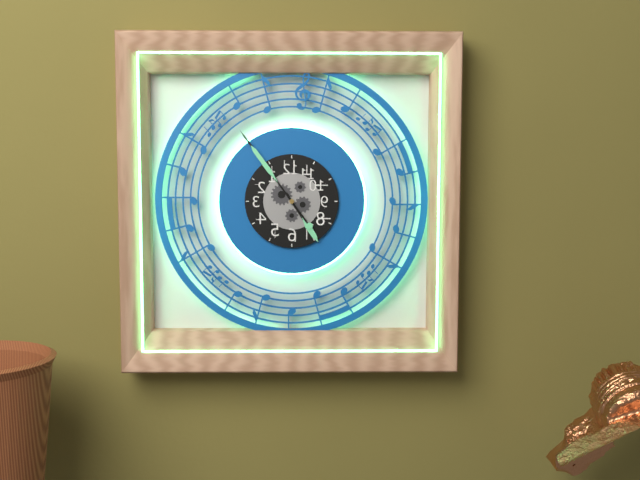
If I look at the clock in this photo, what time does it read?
4:54
